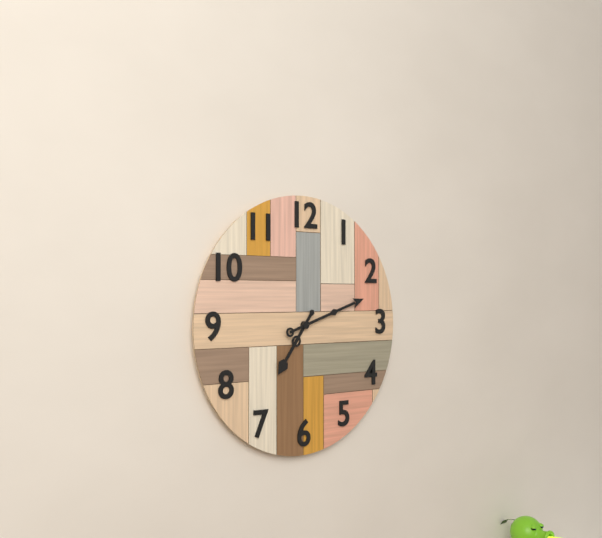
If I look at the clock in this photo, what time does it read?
7:12
